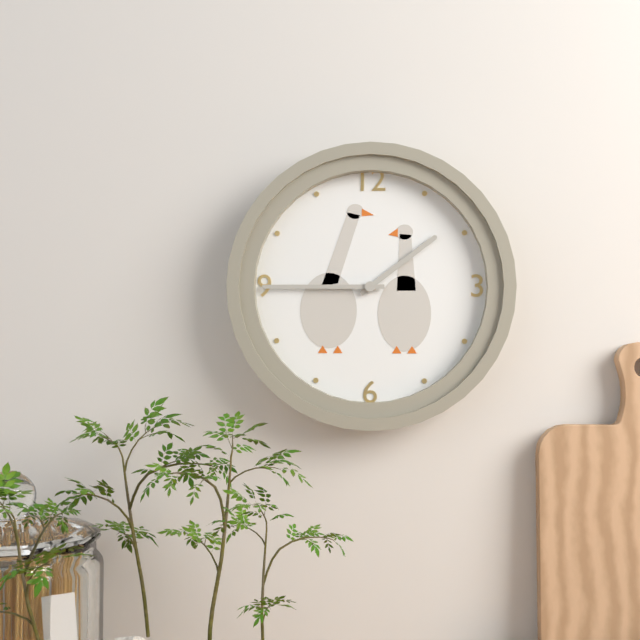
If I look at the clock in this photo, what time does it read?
1:45
